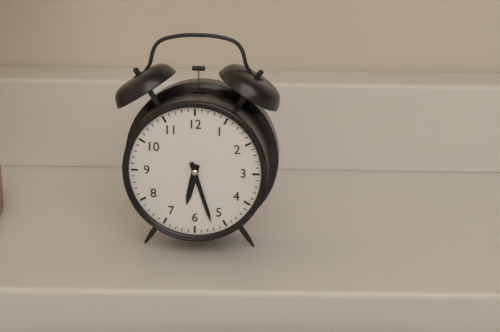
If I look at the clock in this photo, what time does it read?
6:27
